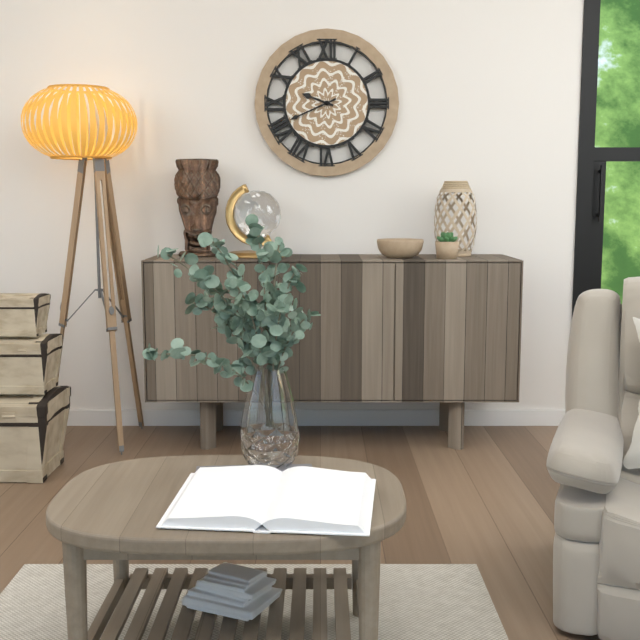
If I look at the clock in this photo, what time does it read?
9:41
